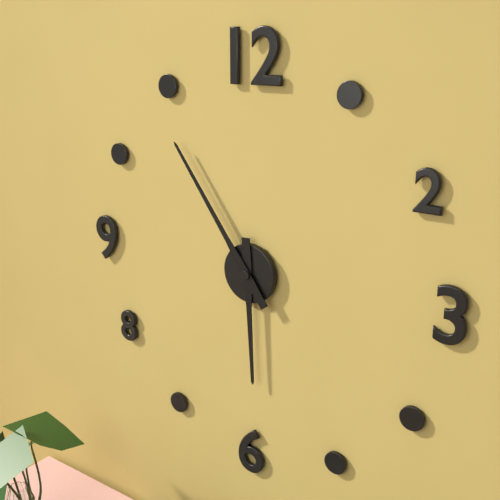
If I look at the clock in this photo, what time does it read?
5:54
